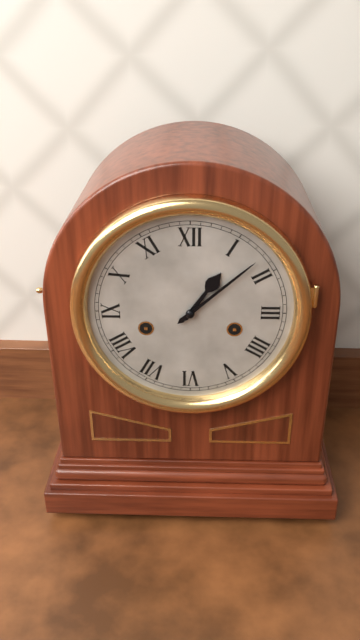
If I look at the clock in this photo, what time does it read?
1:08
